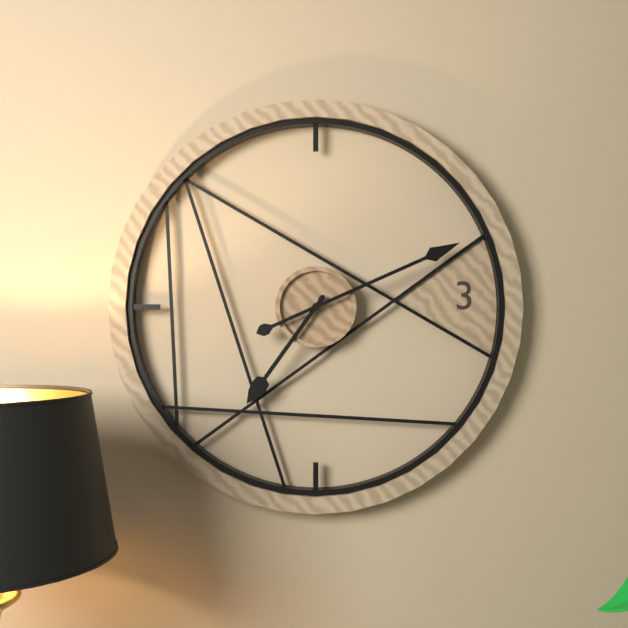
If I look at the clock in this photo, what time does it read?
7:11
